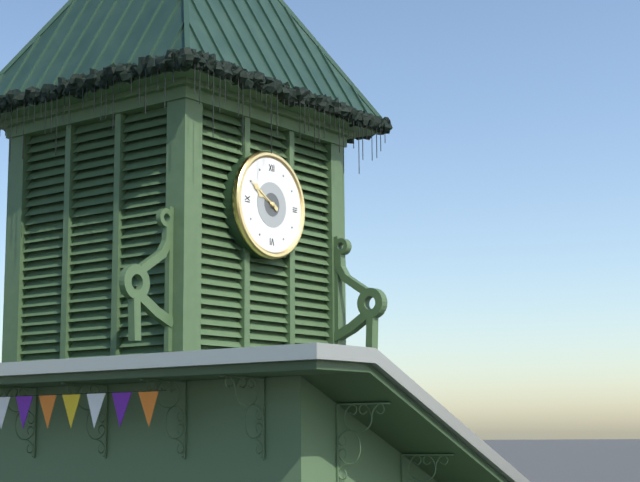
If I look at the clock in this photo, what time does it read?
9:50
